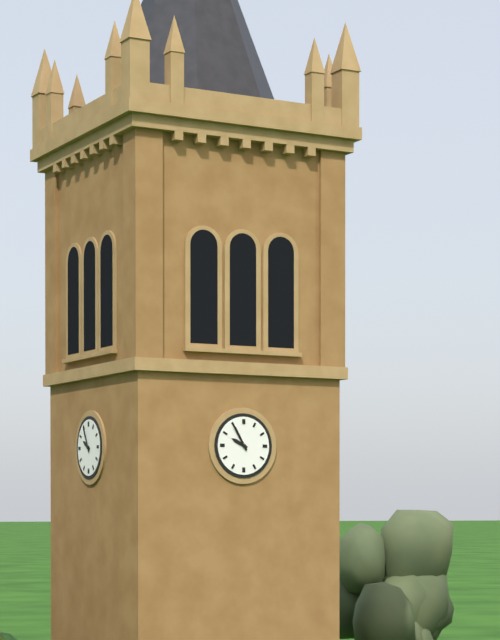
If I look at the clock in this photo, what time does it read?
9:55
